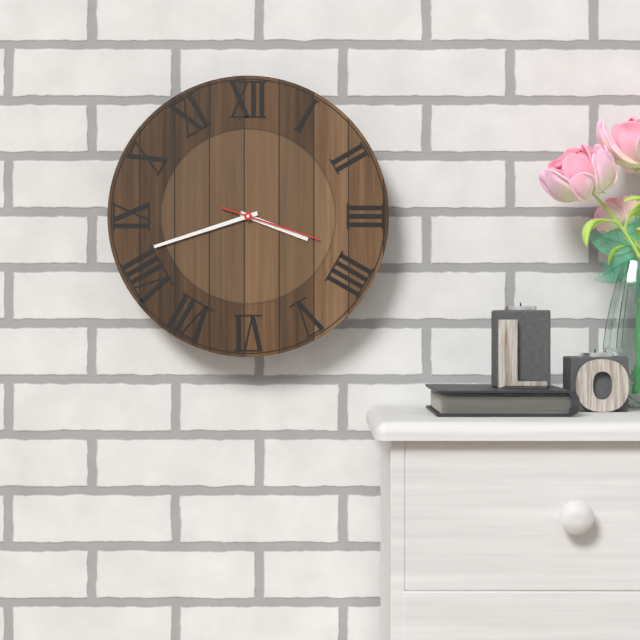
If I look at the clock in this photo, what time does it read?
3:42:18
